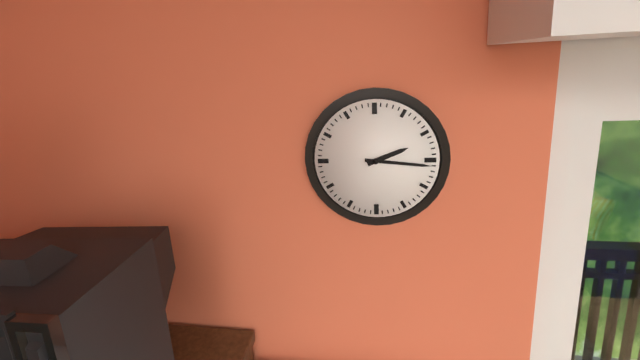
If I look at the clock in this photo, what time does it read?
2:16
